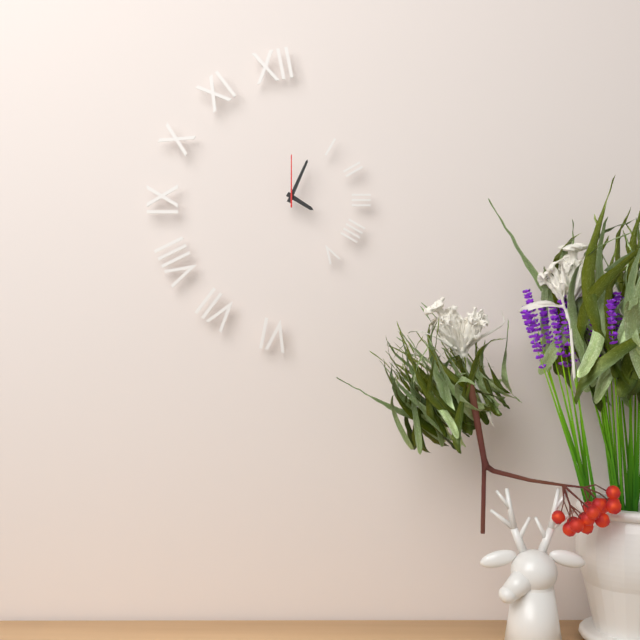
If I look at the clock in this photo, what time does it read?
4:04:00
